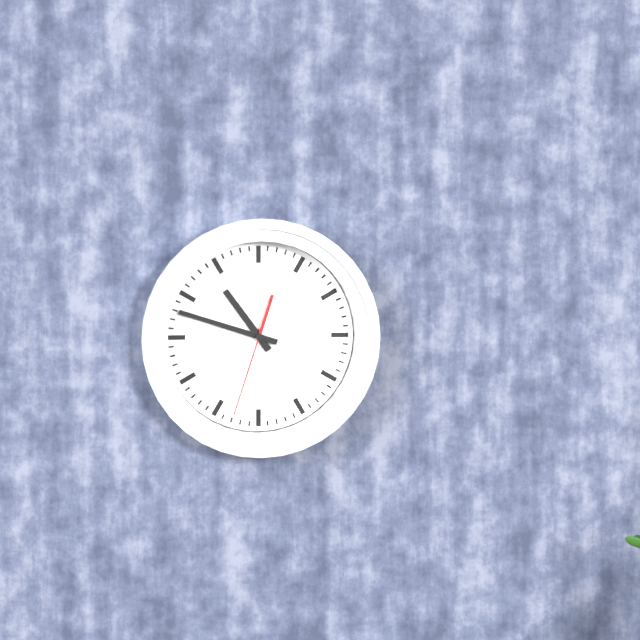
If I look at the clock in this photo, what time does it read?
10:48:33
